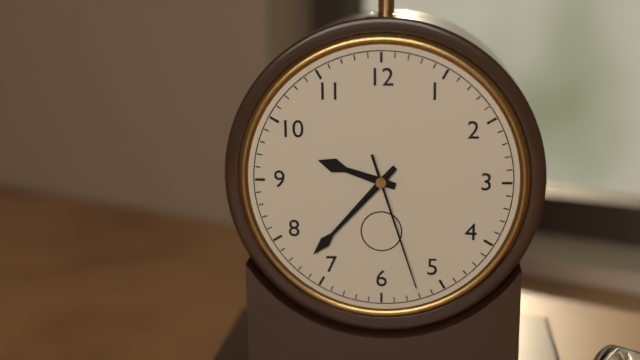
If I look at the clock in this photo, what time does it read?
9:37:27
